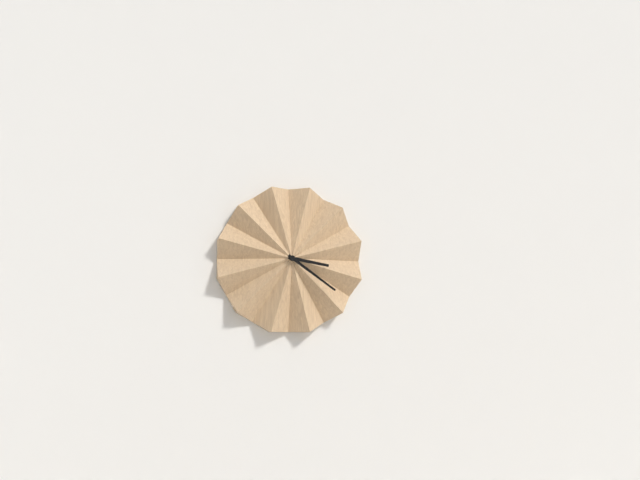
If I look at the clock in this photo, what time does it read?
3:21
